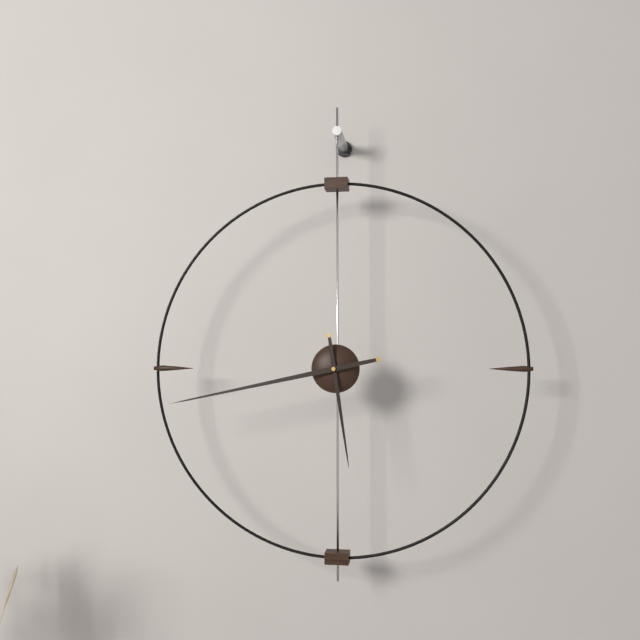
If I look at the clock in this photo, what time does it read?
5:43
